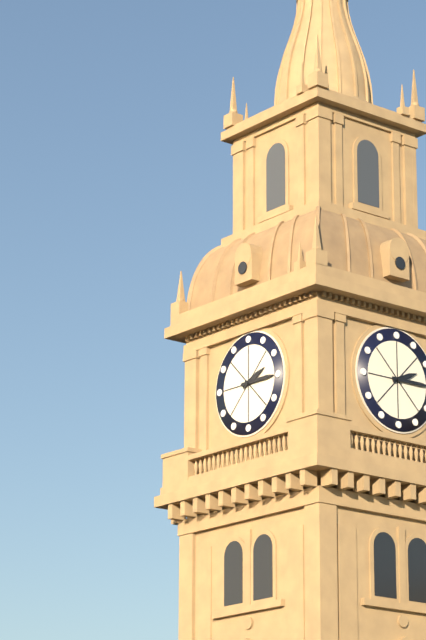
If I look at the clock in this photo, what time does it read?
2:15
